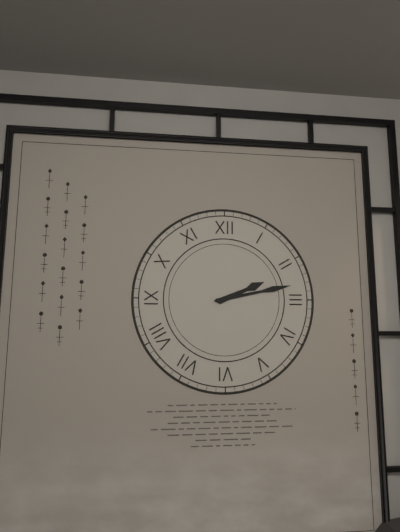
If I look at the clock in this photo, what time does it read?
2:13
